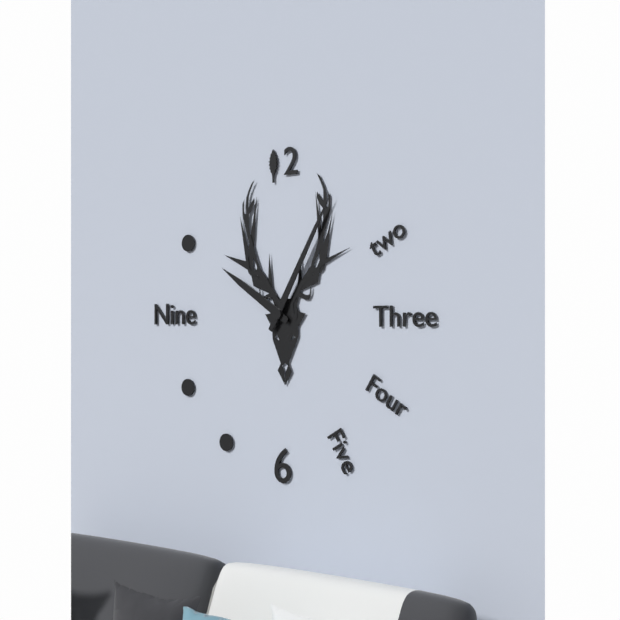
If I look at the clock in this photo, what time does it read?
10:05
